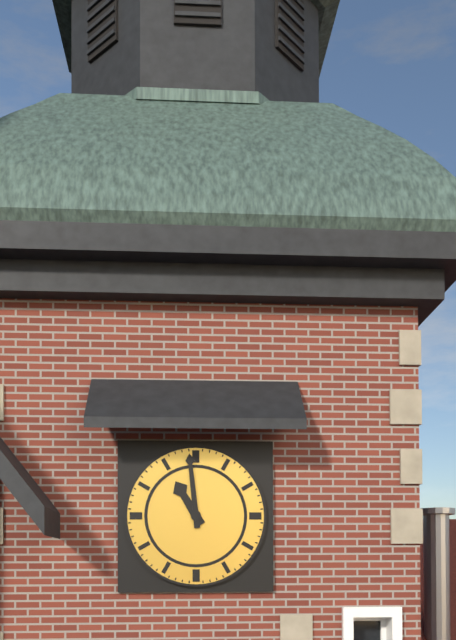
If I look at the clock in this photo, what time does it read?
10:59
